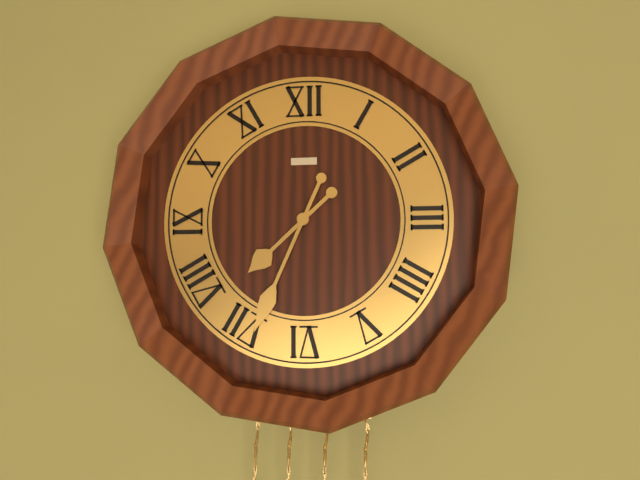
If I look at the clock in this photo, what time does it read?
7:34
